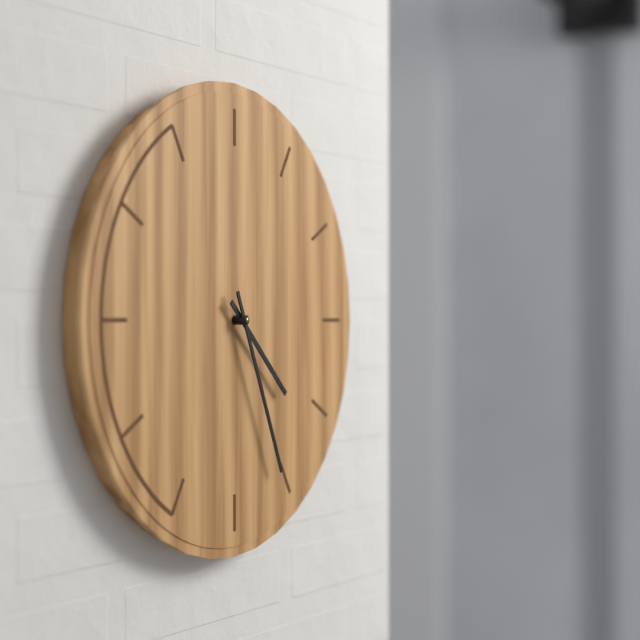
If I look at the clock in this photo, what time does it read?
4:26
